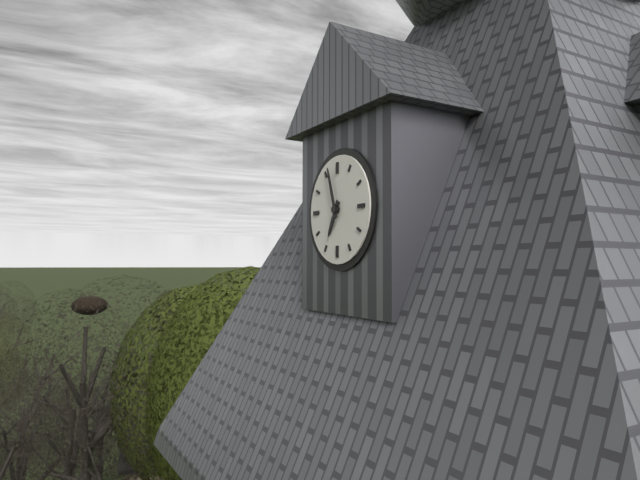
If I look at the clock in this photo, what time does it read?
6:57
